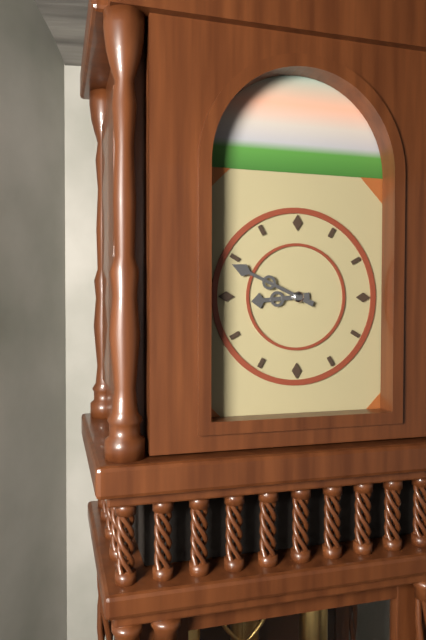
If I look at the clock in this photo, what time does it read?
8:49
